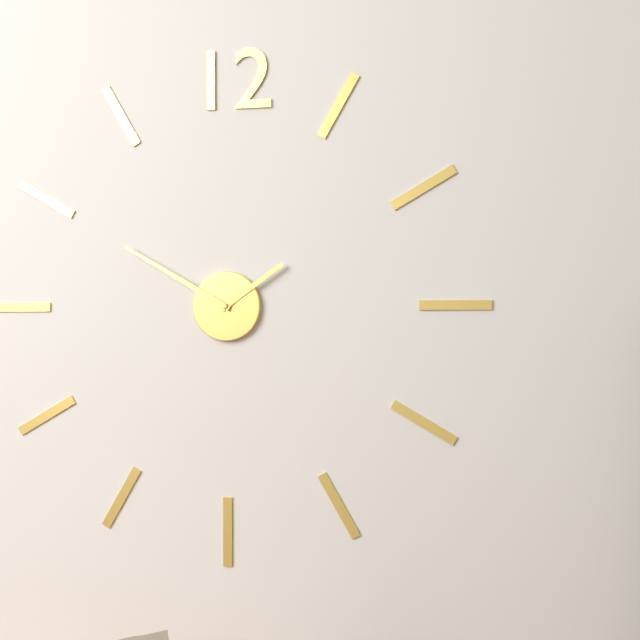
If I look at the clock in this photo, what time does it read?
1:50
